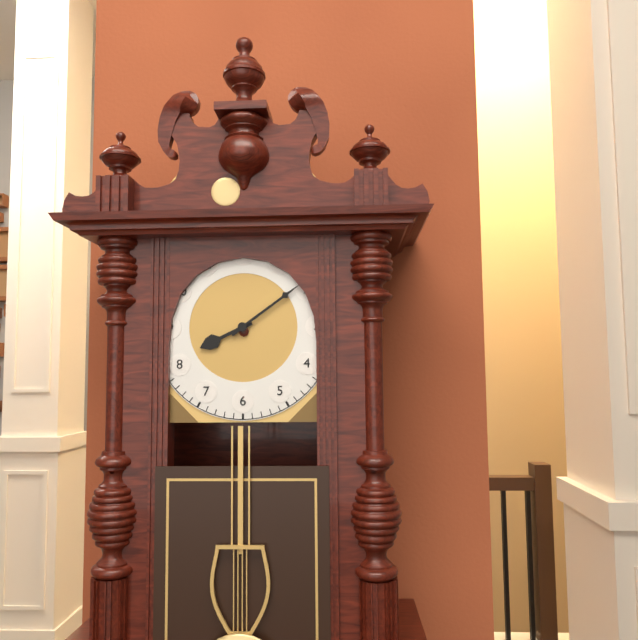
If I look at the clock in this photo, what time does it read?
8:09
